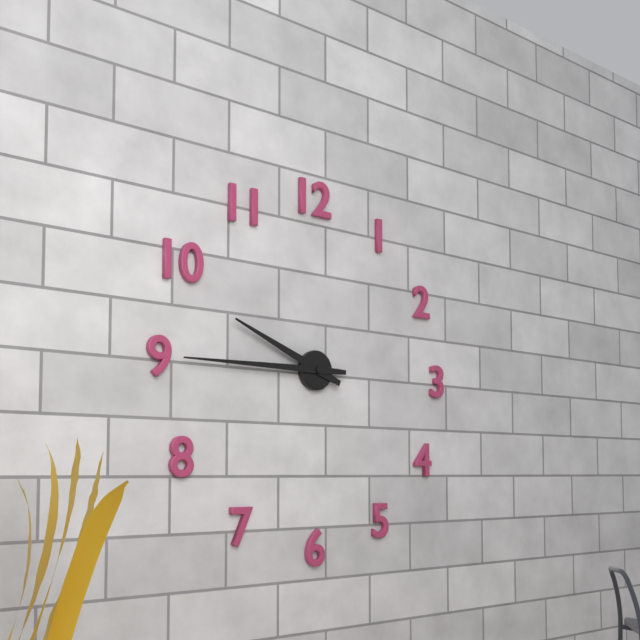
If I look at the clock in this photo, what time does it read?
9:45
